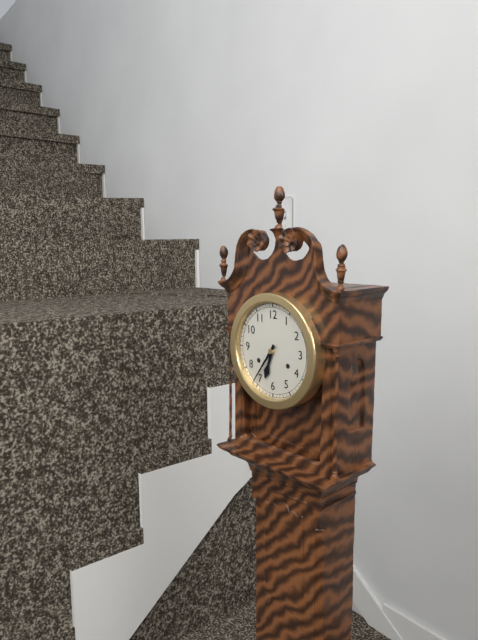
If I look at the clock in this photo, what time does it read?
6:36
